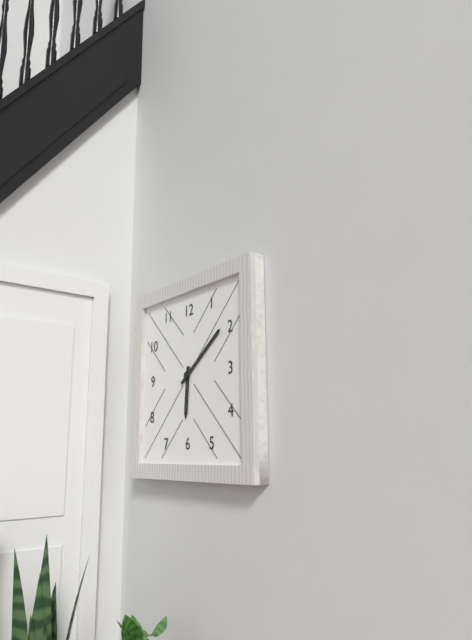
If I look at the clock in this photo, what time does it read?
6:09
